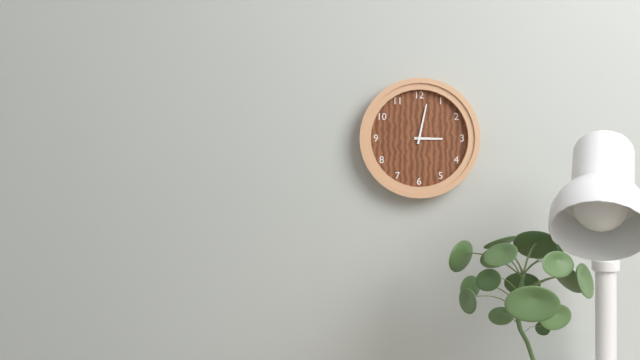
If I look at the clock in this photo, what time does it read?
3:02
